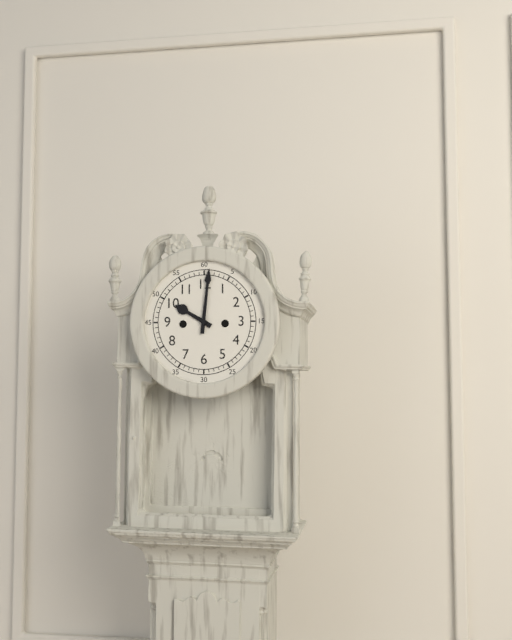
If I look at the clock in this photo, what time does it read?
10:01
